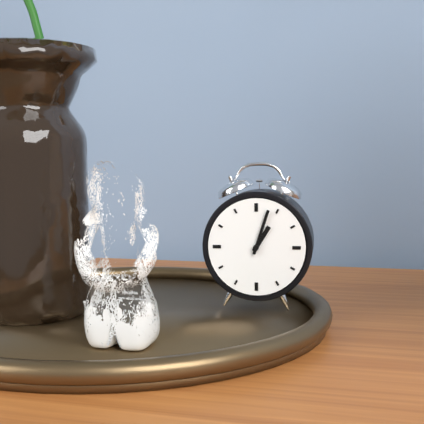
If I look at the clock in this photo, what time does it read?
1:03
